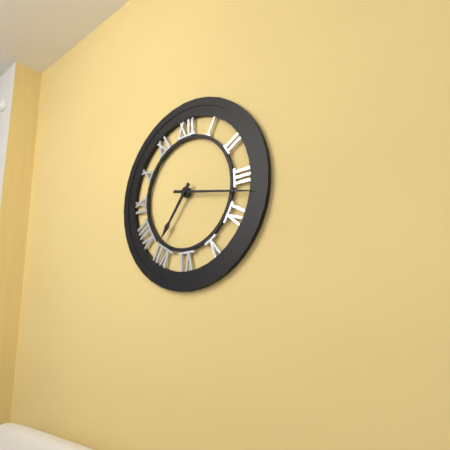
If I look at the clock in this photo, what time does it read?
7:17
